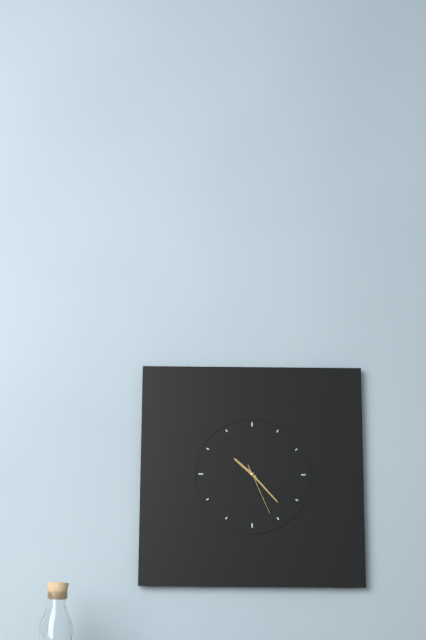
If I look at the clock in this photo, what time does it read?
10:23:26
